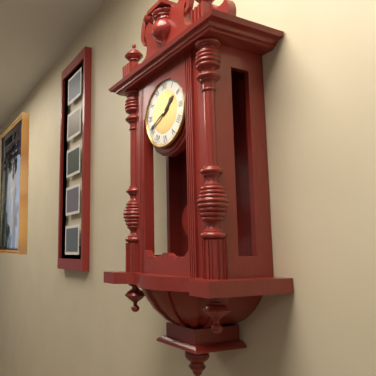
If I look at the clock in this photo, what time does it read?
1:41
